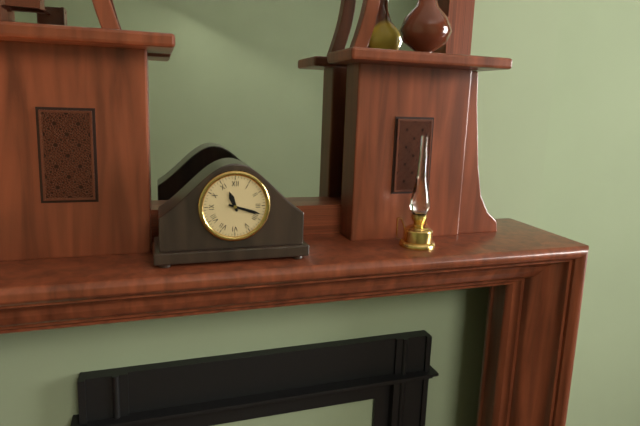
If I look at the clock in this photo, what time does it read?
11:18
